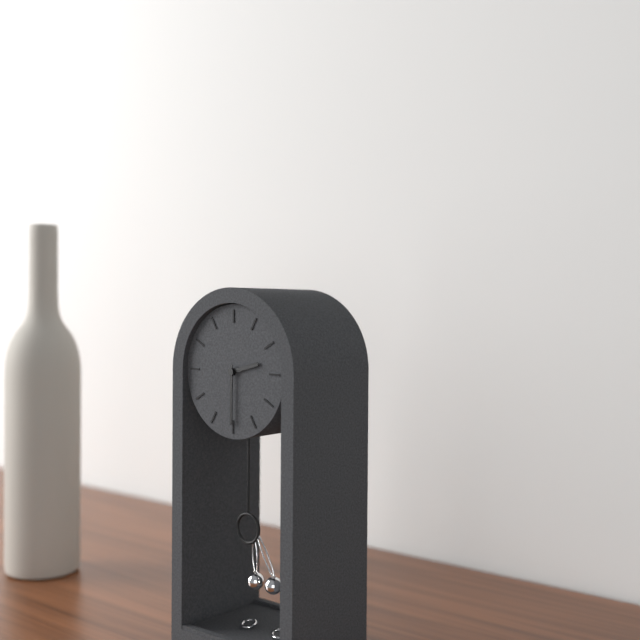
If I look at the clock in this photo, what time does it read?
2:30
